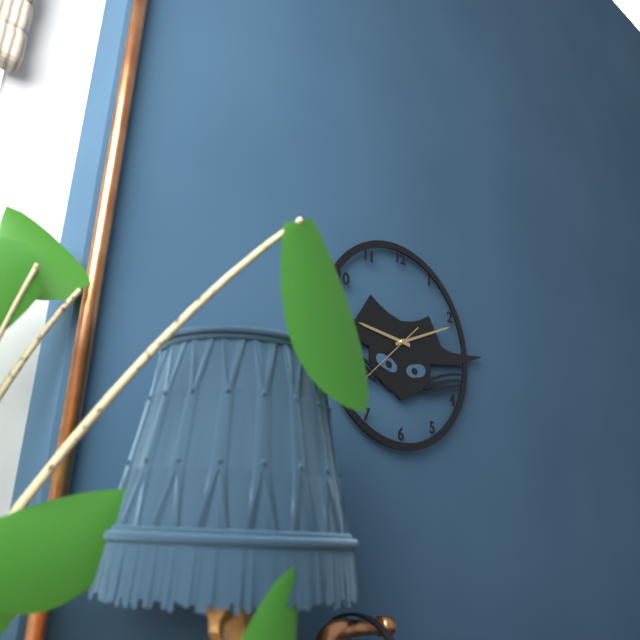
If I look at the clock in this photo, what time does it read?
9:11:38
